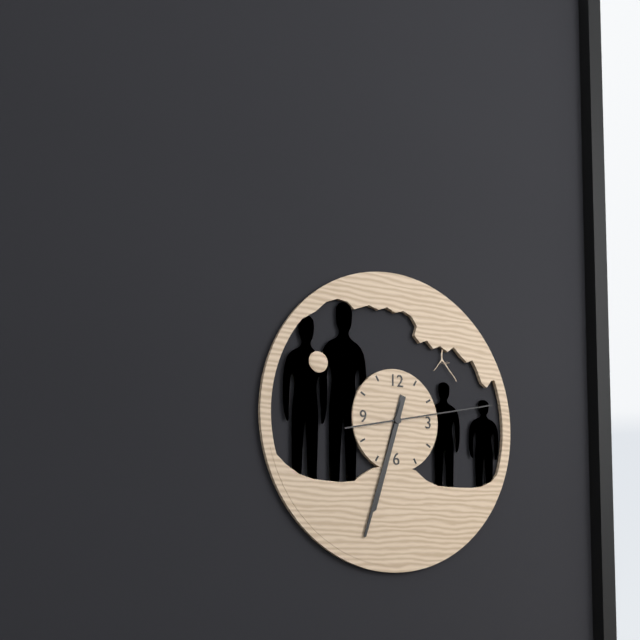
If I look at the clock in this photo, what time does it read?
6:33:13
